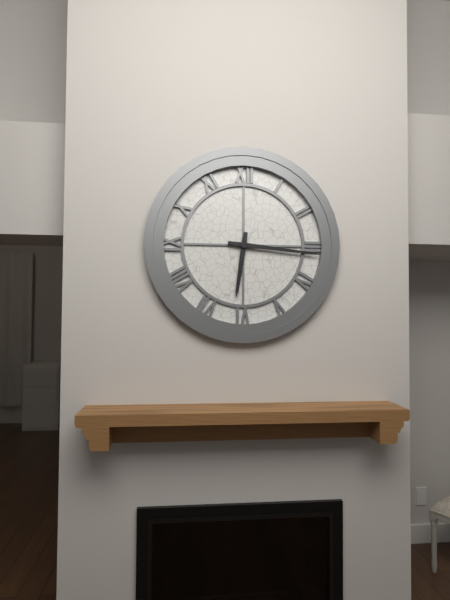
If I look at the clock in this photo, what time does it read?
6:16
